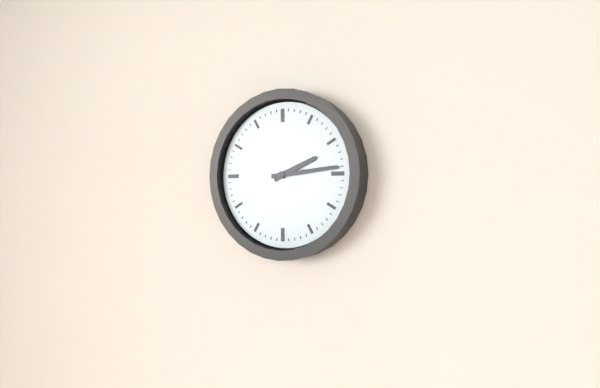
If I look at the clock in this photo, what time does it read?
2:14
